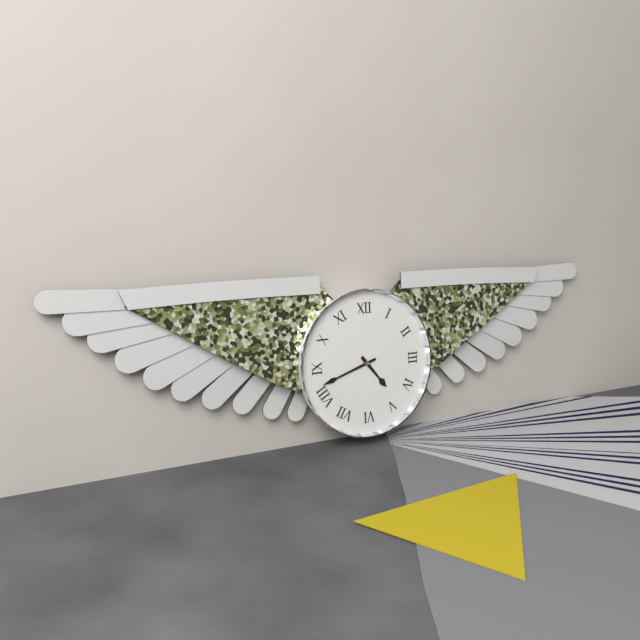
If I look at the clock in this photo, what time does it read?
4:42
